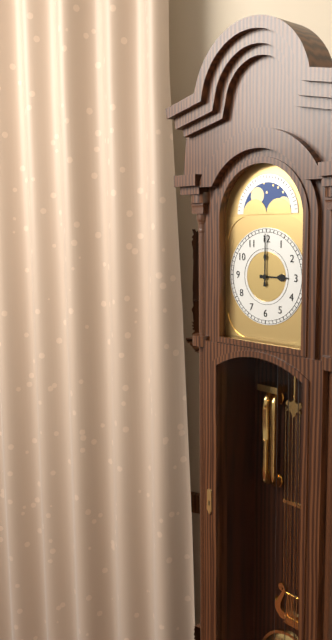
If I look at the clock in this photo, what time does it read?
3:00
